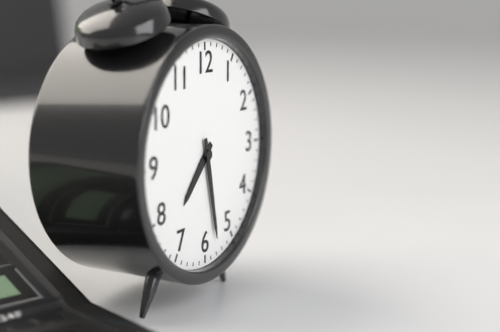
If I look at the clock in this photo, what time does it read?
7:28
